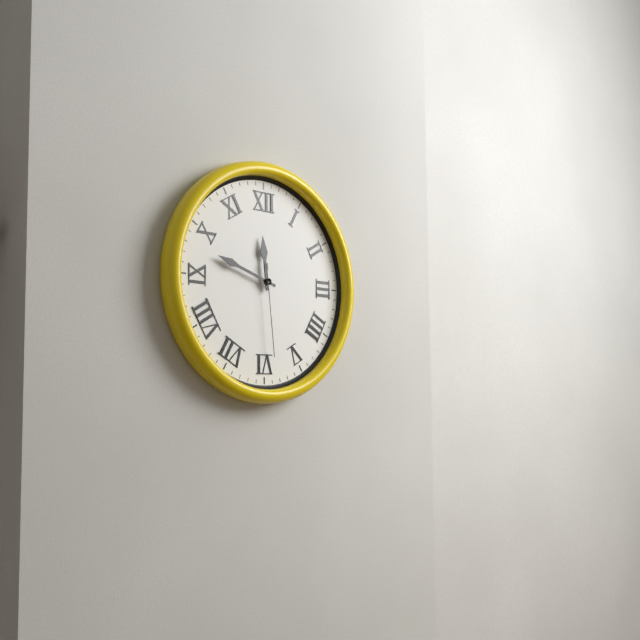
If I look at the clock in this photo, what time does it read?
11:48:29
